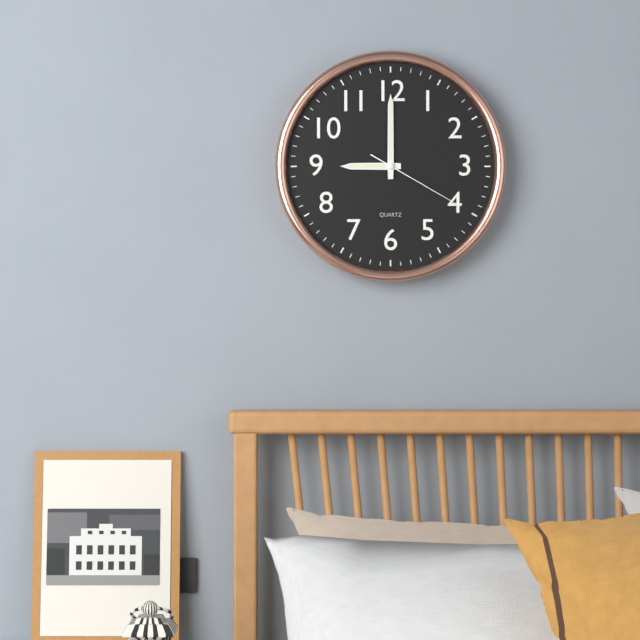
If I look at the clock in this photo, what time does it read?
9:00:20
